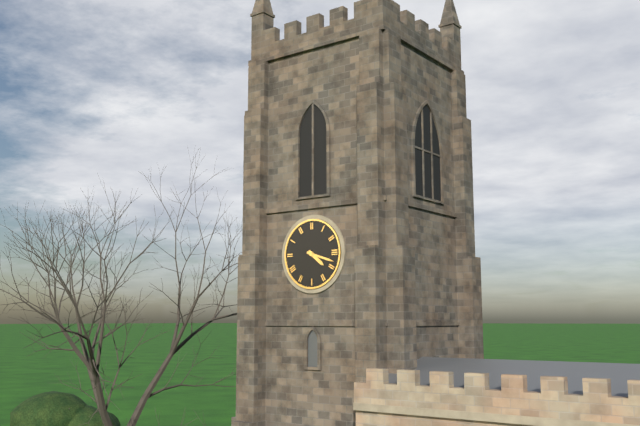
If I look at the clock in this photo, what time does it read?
4:18
